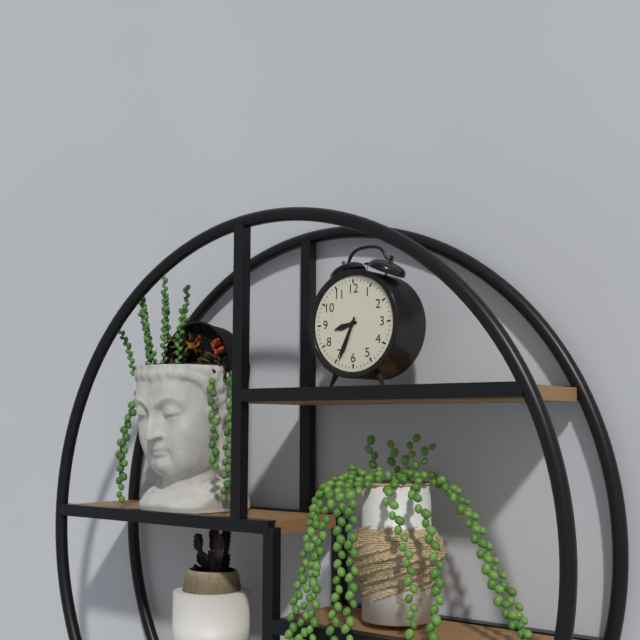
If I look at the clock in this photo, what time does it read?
8:34
